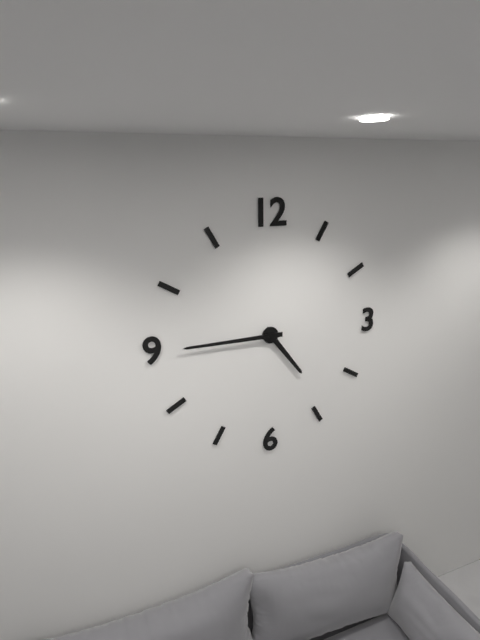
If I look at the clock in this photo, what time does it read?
4:45
